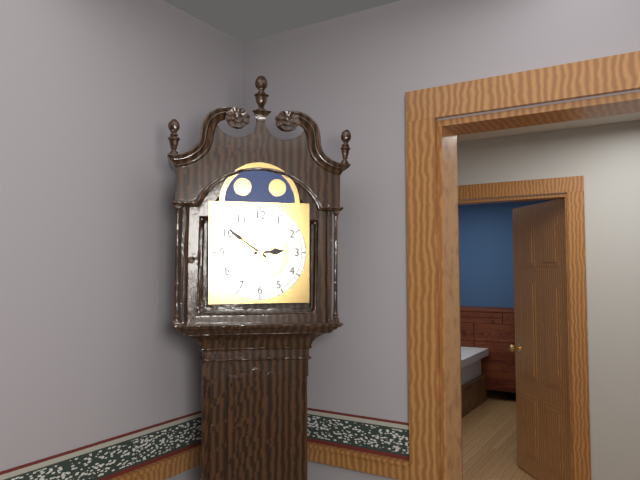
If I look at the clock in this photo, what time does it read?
2:51
